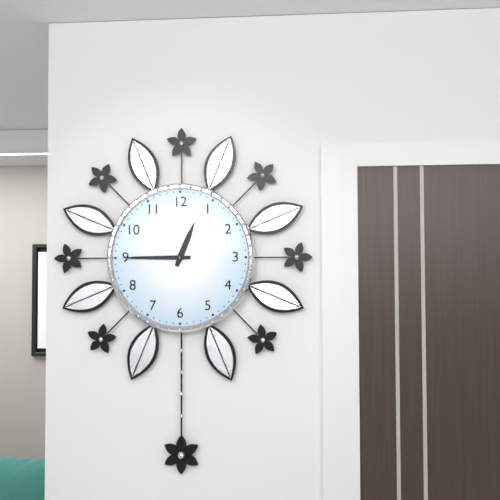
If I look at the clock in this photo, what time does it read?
12:45
